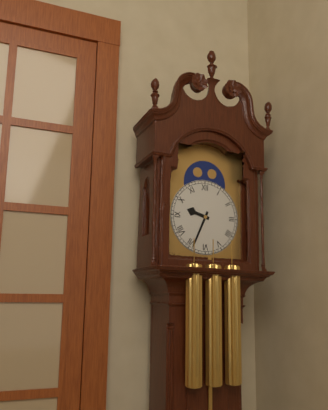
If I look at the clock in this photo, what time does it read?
9:34
